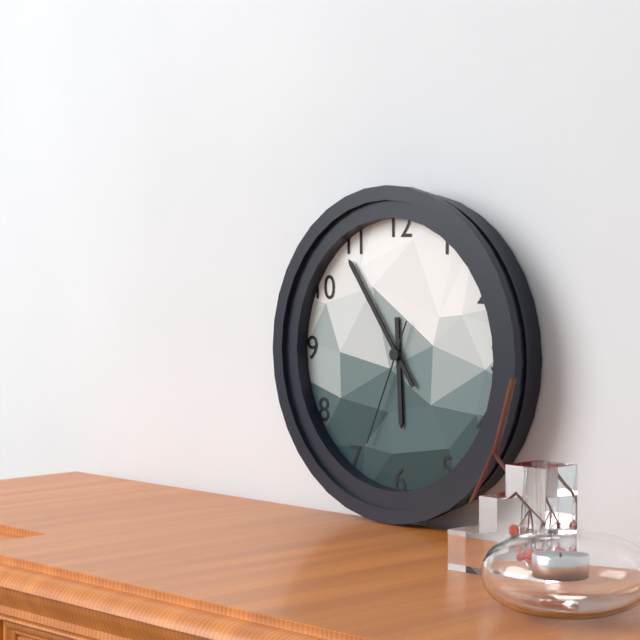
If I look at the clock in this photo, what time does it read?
5:54:34
